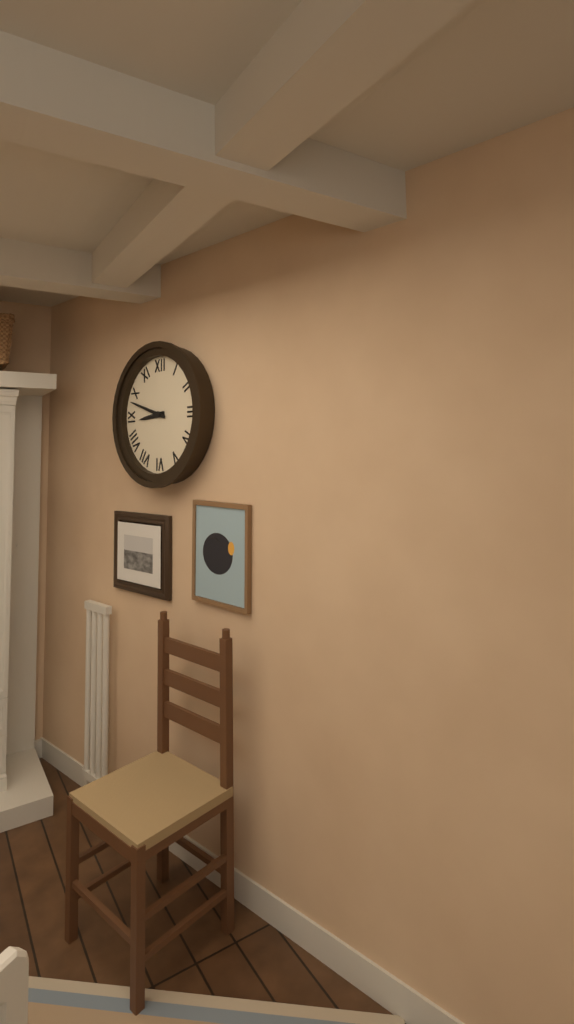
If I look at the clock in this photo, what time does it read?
8:48
